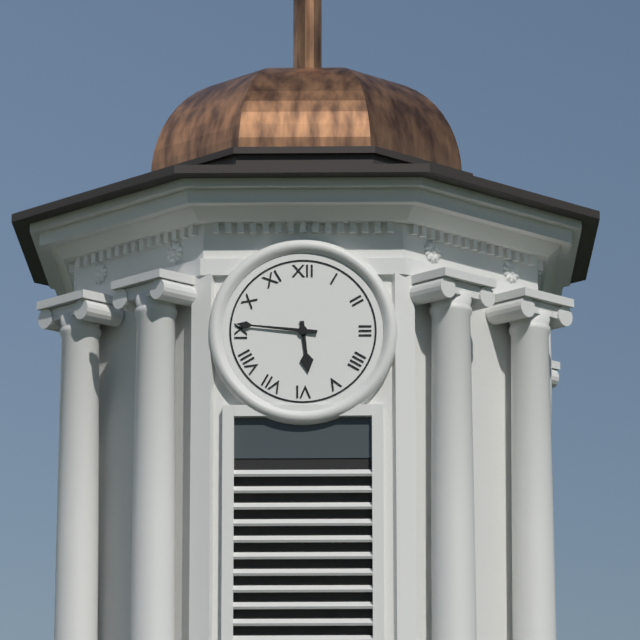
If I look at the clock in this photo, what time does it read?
5:46
